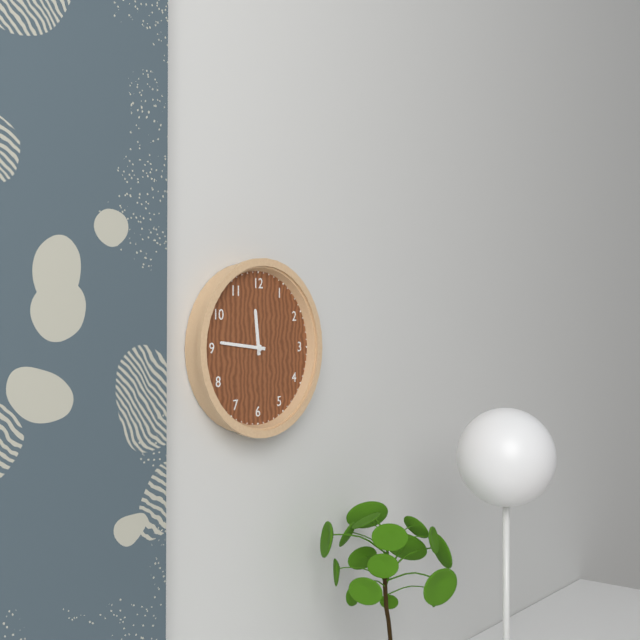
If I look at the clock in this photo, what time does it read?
11:46
